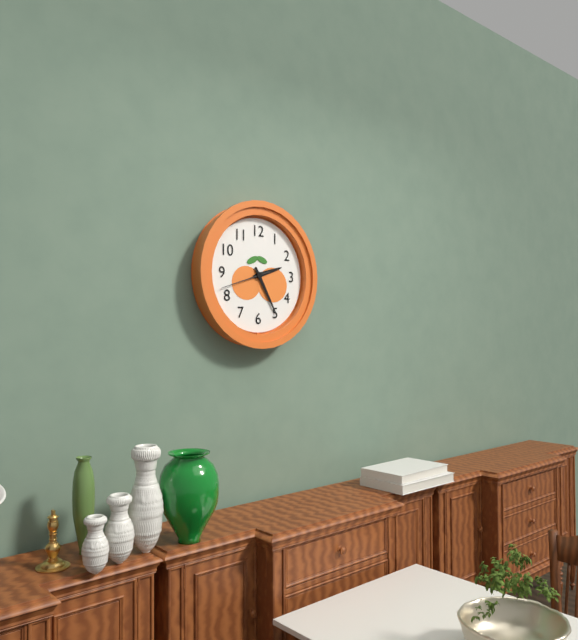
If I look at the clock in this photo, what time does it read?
2:25:42
